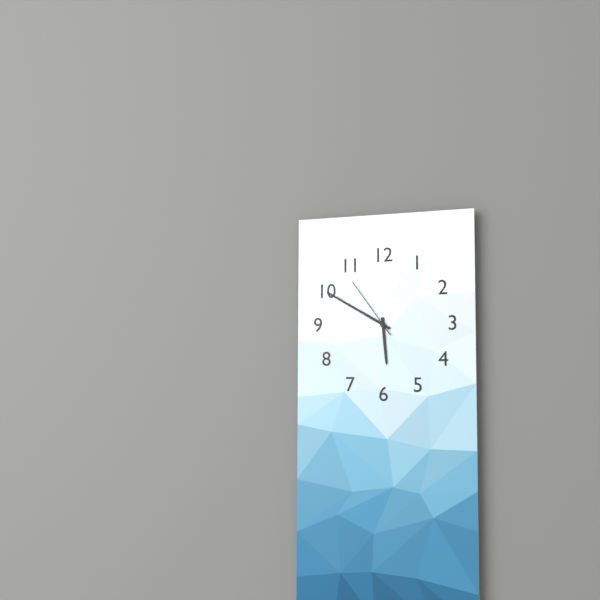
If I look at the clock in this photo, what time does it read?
5:50:54
